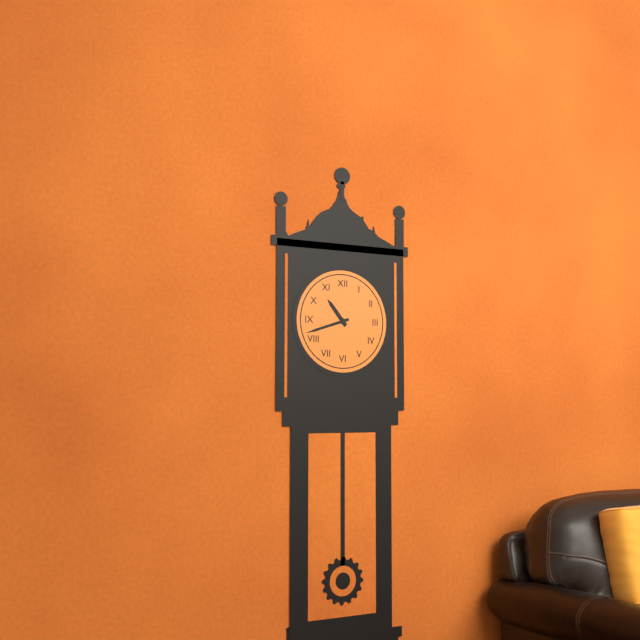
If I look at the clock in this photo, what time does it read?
10:42
